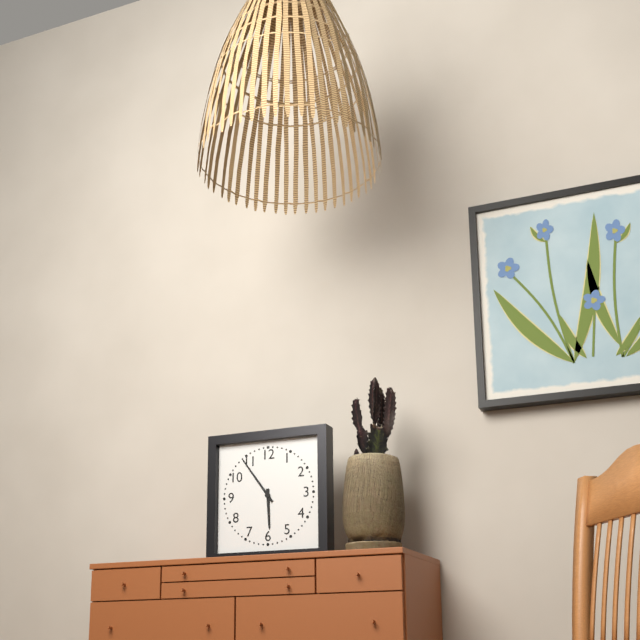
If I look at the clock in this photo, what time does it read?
5:54
